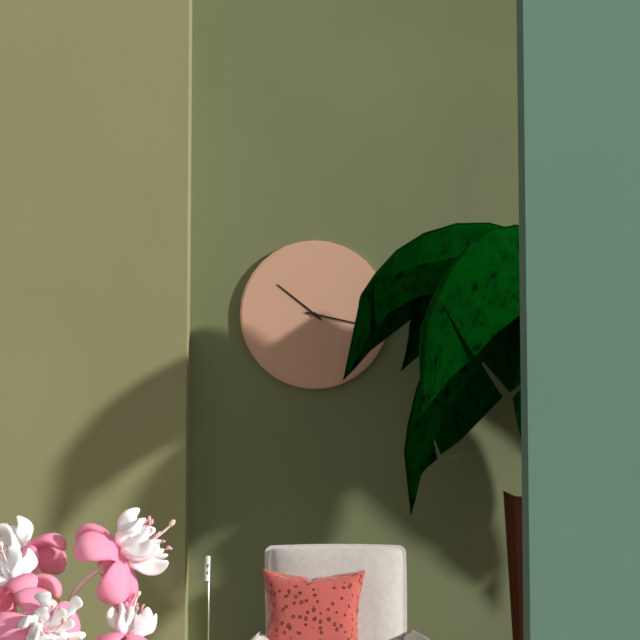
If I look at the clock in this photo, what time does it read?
10:17
